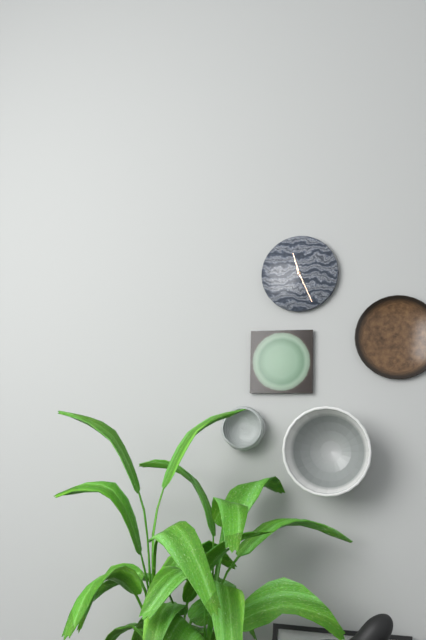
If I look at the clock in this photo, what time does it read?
11:26
